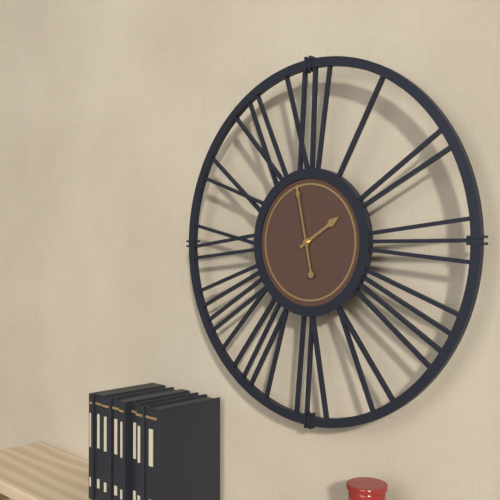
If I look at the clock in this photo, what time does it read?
1:58
